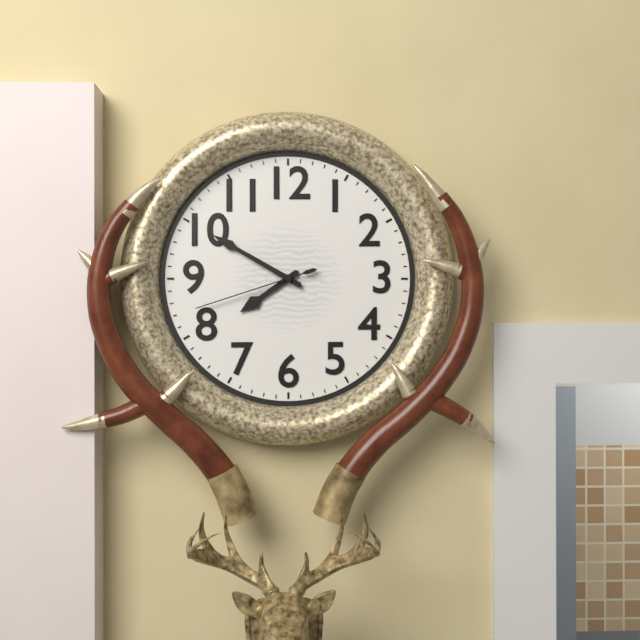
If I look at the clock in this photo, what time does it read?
7:50:42
